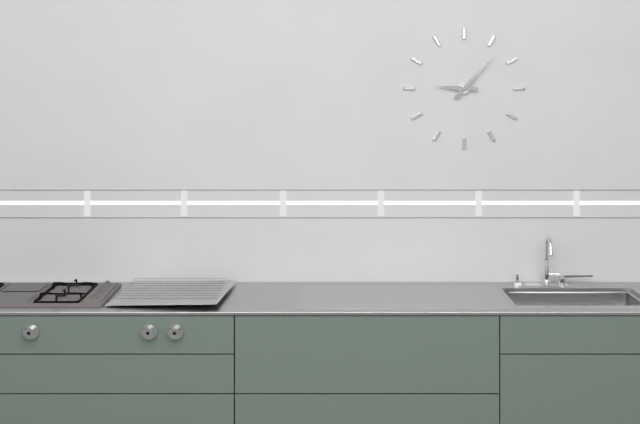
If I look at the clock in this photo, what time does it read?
9:07
